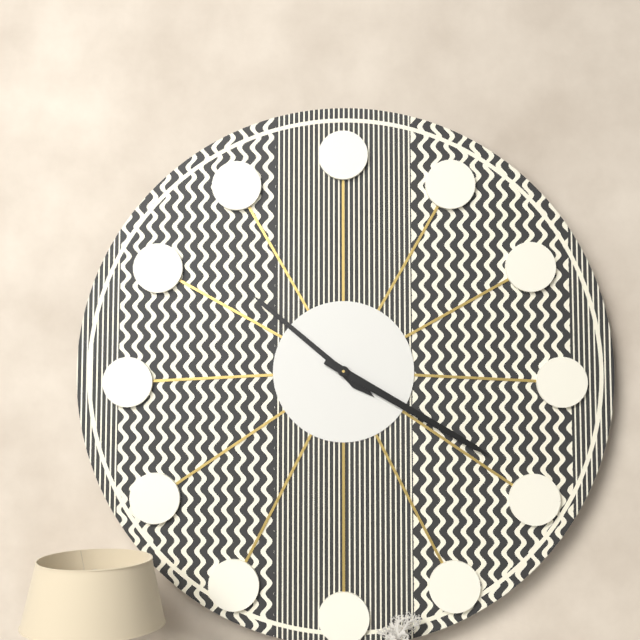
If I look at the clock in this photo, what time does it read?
10:20
